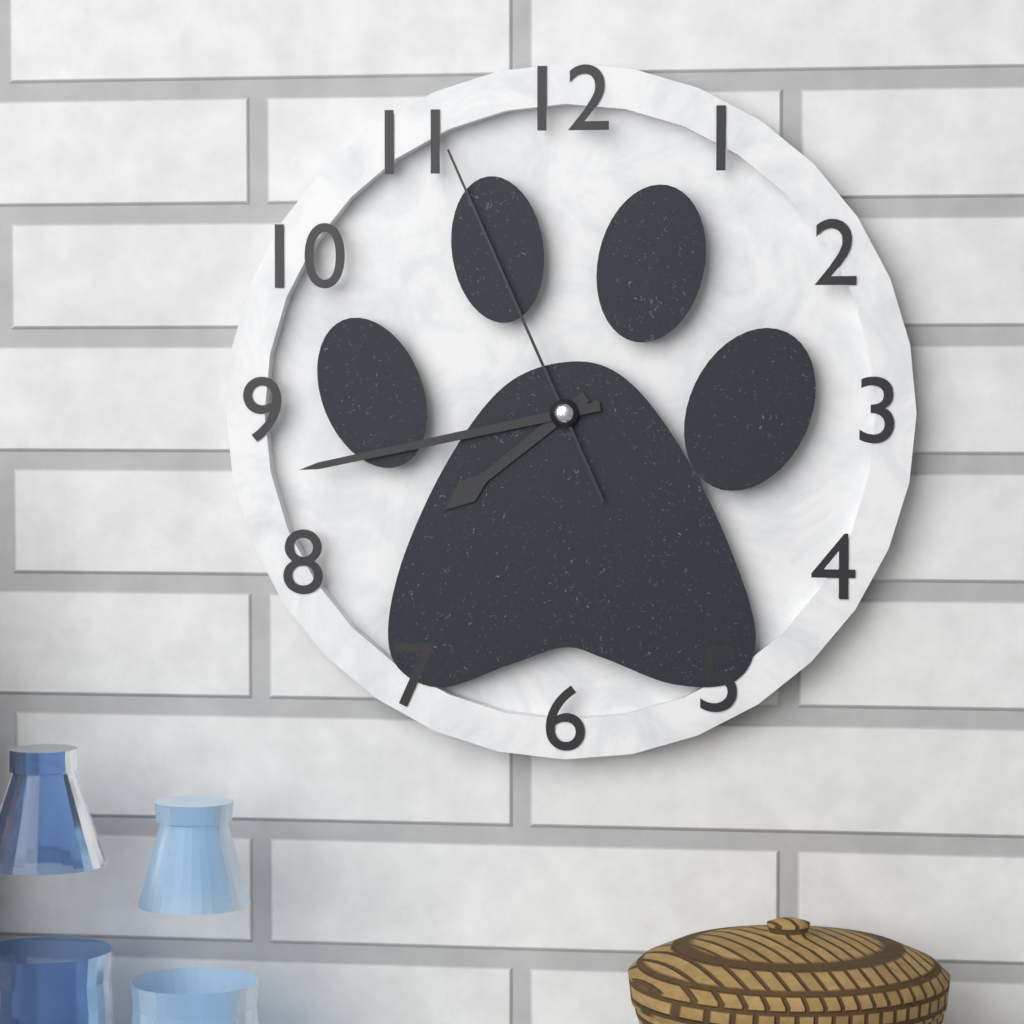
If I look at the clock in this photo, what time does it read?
7:43:56
